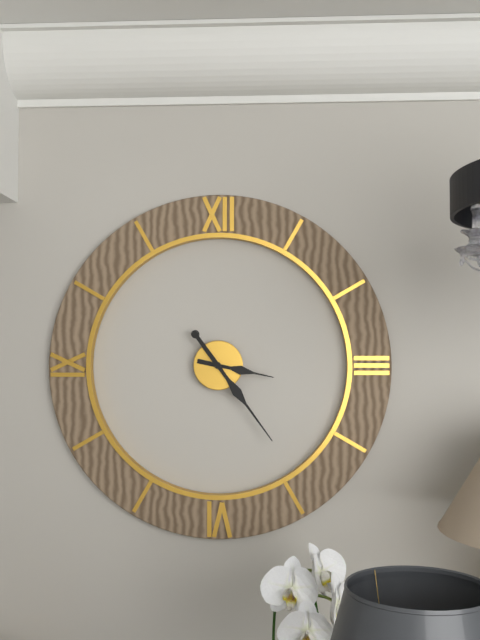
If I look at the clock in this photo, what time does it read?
3:24
